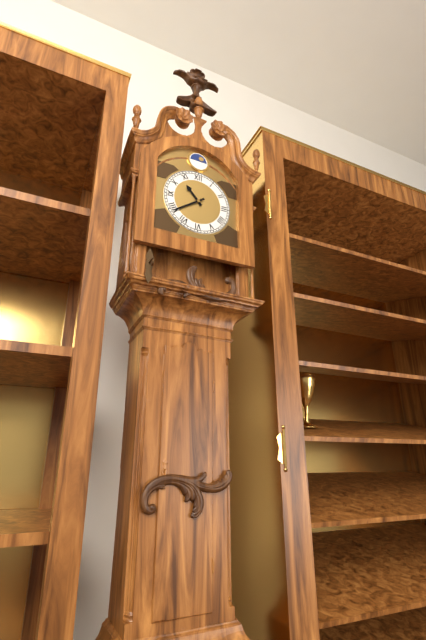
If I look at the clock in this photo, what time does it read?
10:39
